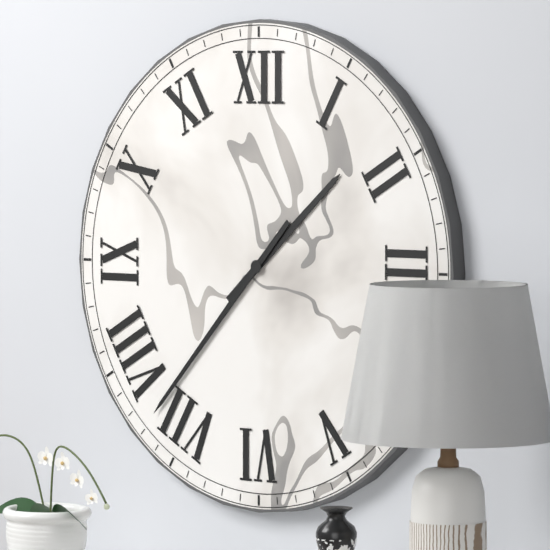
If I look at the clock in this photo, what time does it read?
1:37
